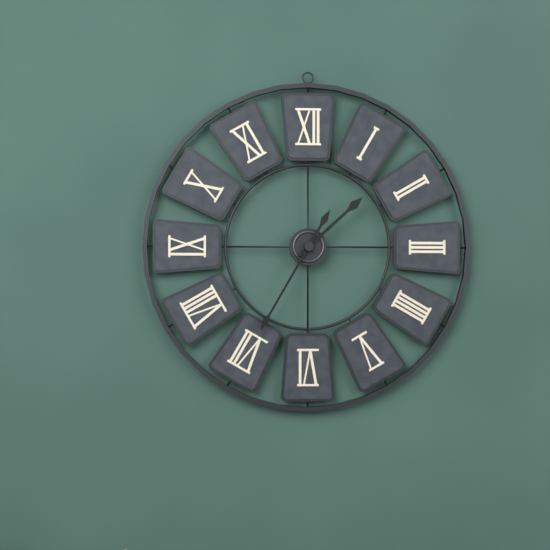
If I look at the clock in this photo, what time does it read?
1:35
